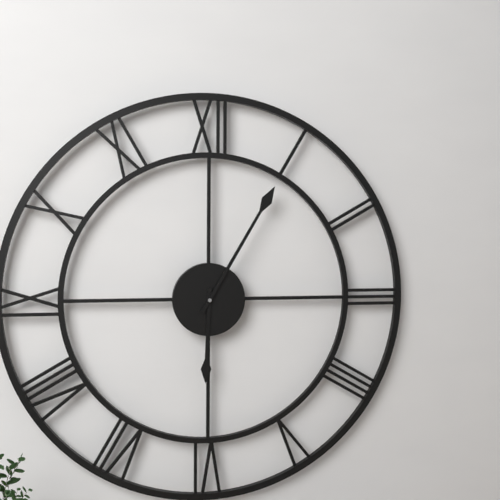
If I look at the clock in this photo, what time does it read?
6:05
